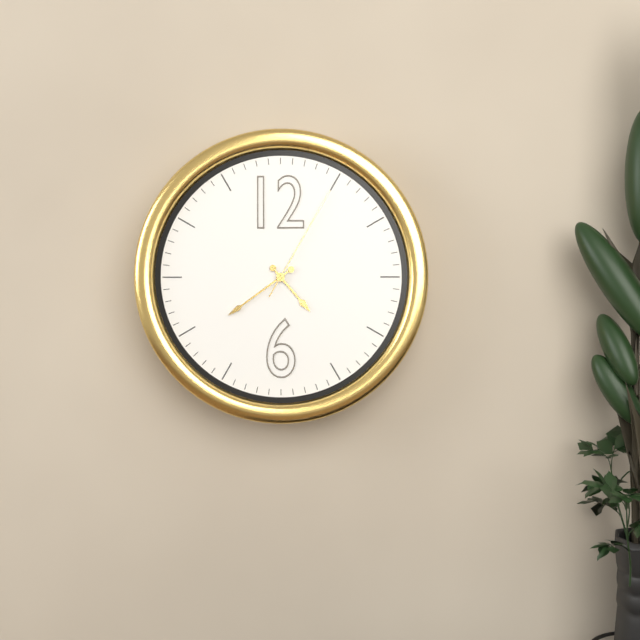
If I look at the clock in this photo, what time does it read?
4:39:05
